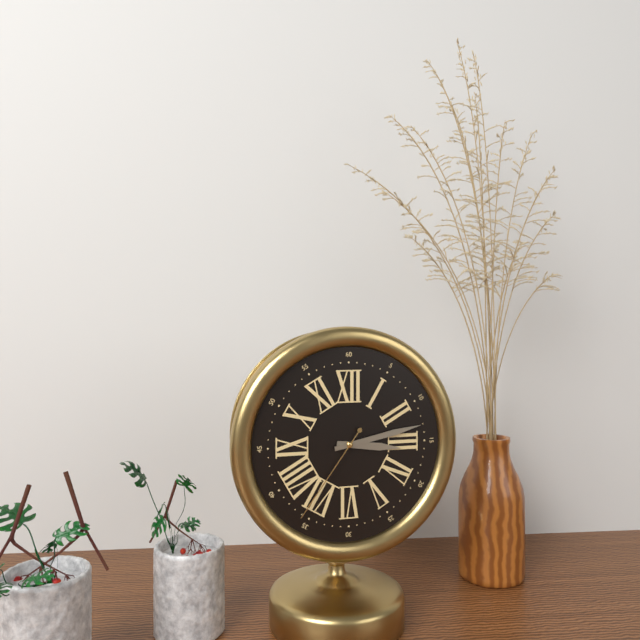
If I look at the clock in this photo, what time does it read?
3:13:36
